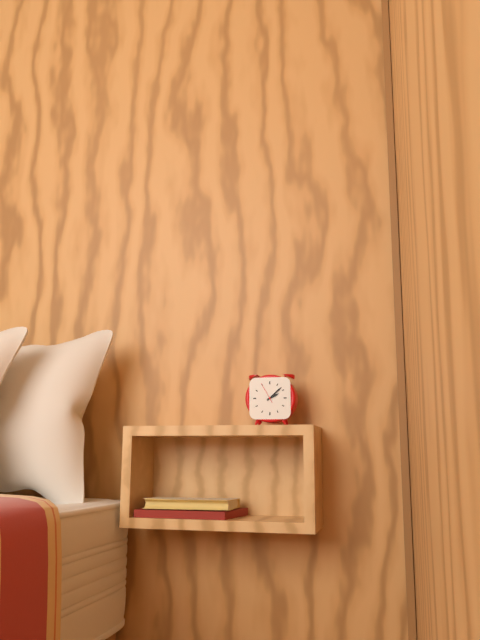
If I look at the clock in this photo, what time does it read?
2:08
